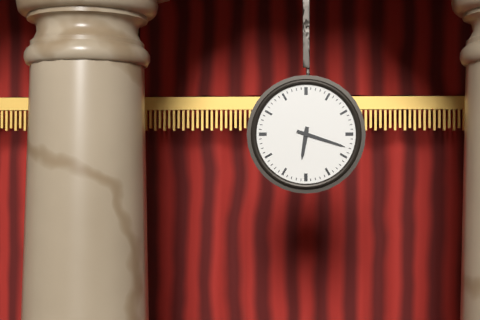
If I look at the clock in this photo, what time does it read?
6:18
